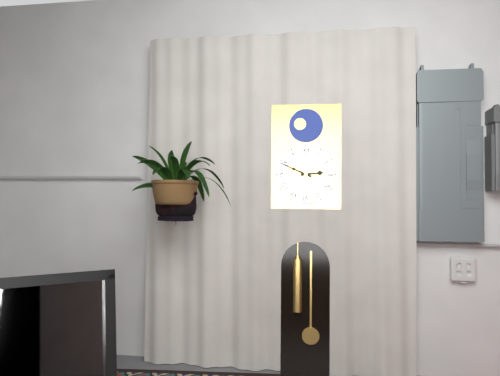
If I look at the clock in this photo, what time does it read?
2:49
